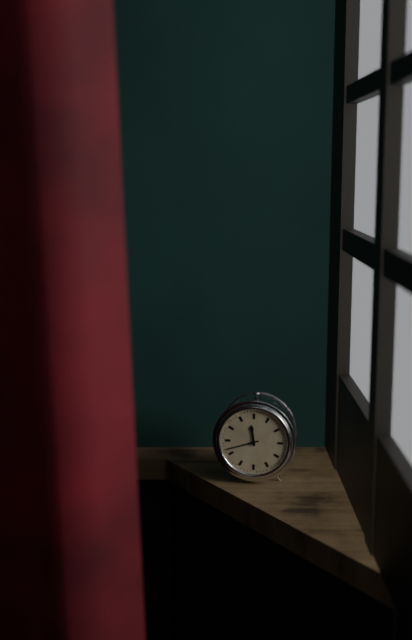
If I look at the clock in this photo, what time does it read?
11:42
